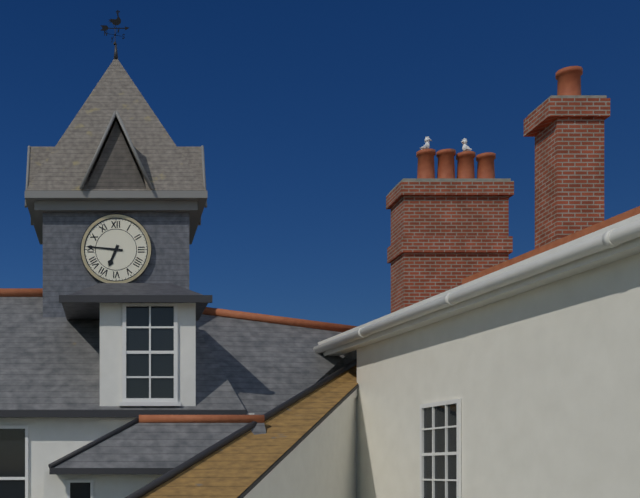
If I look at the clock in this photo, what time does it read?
6:46
